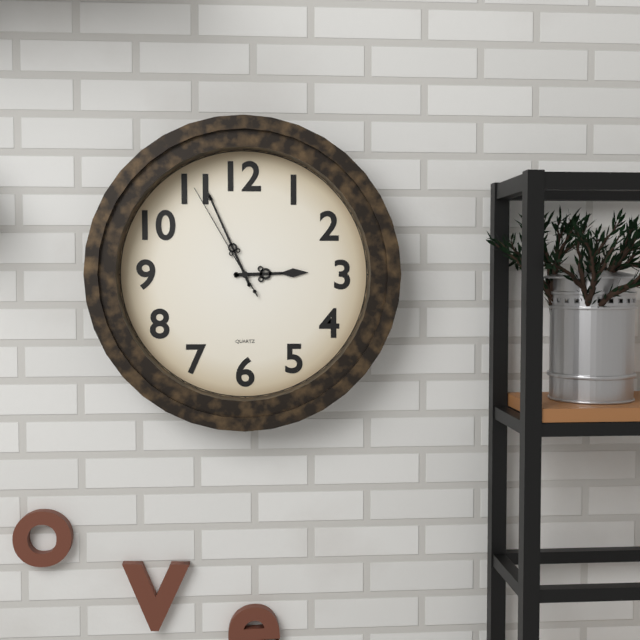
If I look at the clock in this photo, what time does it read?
2:56:55
